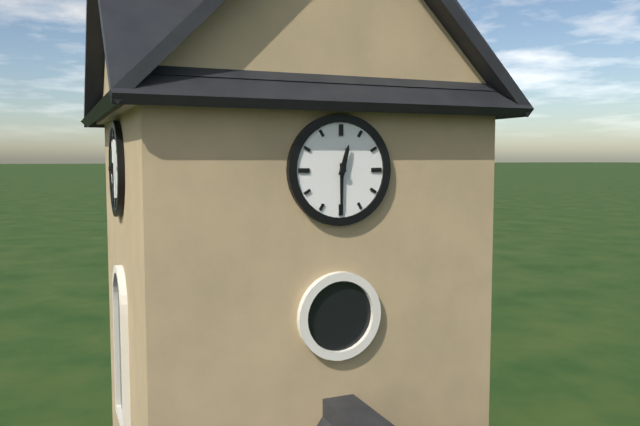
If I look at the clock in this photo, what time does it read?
12:30
